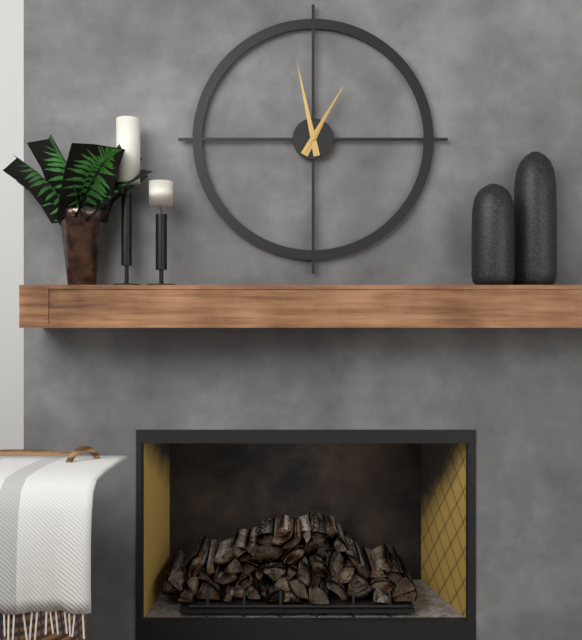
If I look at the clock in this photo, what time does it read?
12:58:05
